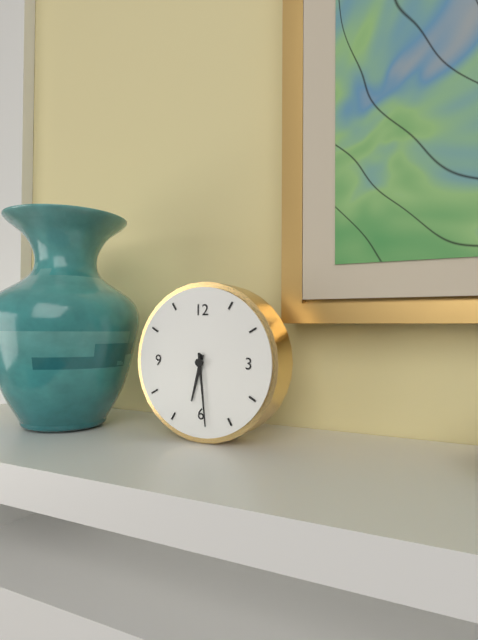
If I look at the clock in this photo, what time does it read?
6:29
